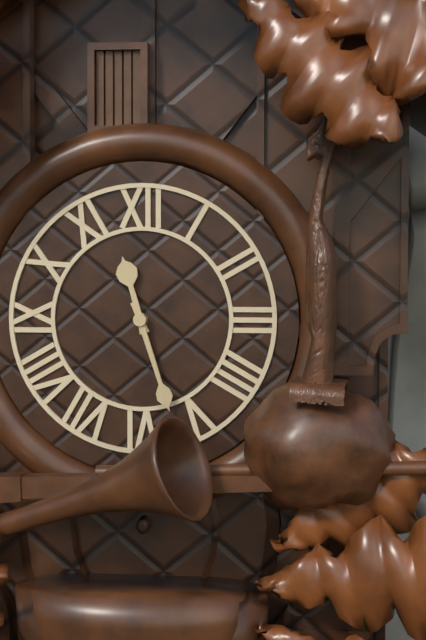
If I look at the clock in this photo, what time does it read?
11:27
